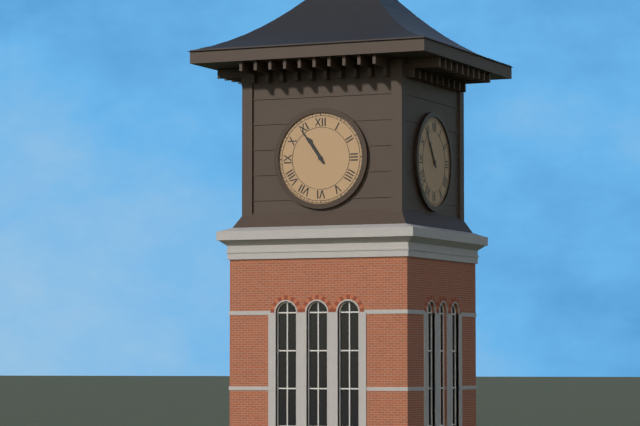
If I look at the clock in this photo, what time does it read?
10:54
